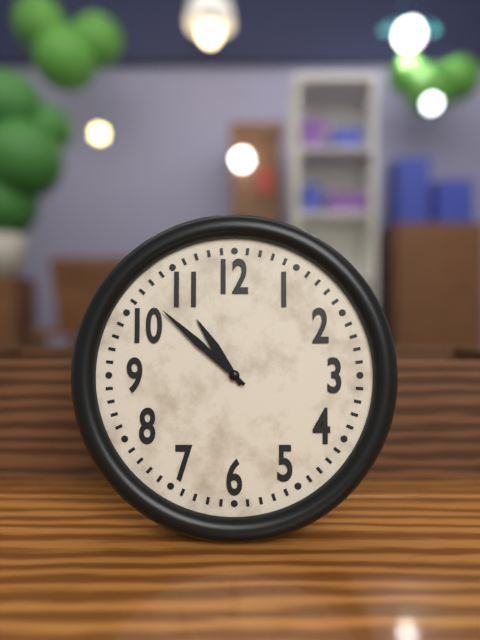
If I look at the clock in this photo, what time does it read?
10:52
